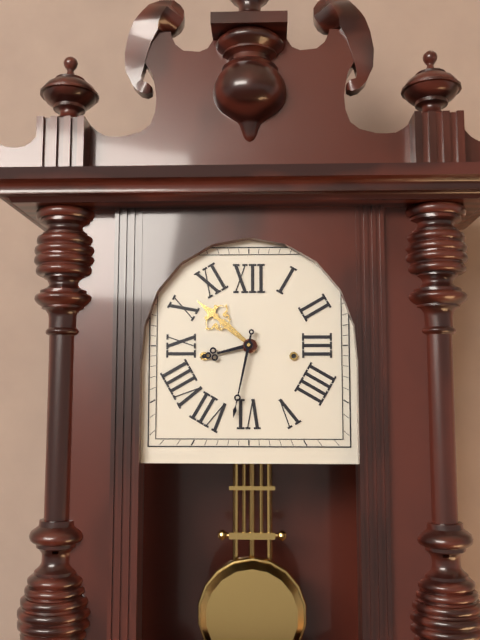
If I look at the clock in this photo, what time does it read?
8:32
